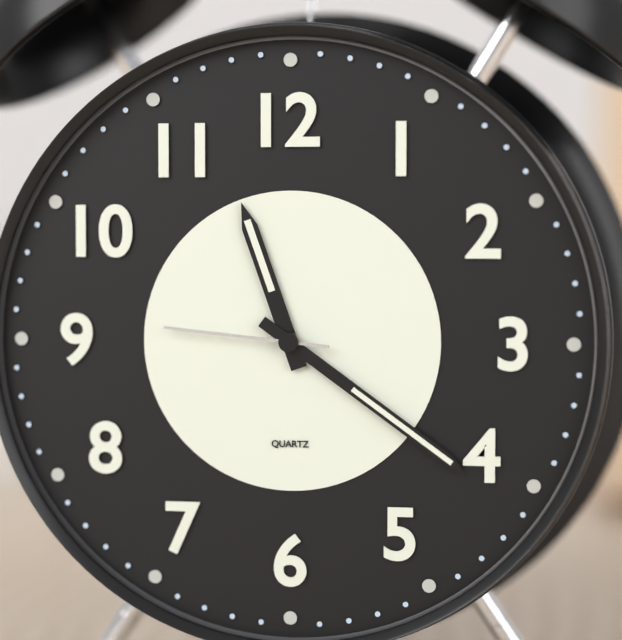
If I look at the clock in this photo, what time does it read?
11:21:46
